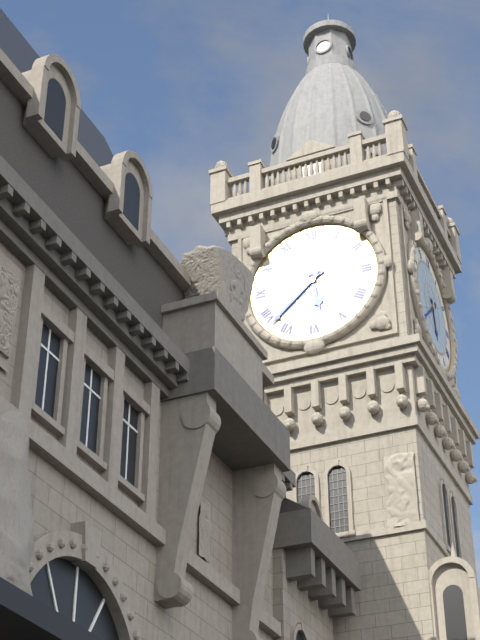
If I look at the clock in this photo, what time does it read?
5:38
